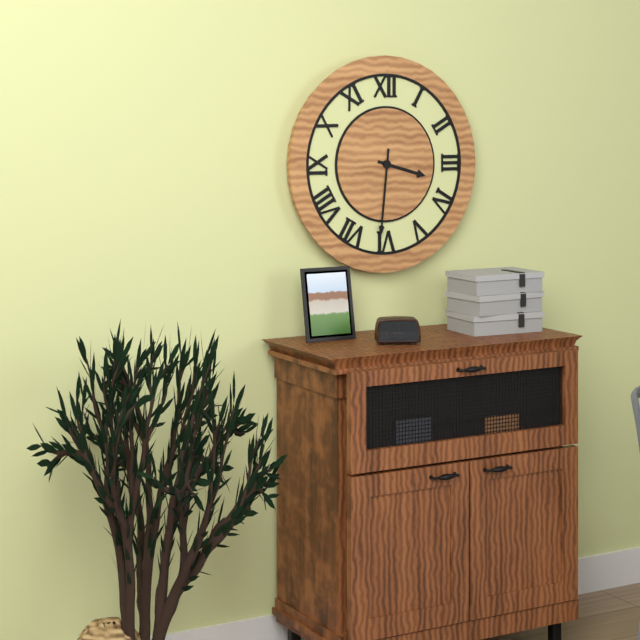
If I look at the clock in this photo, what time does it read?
3:31
